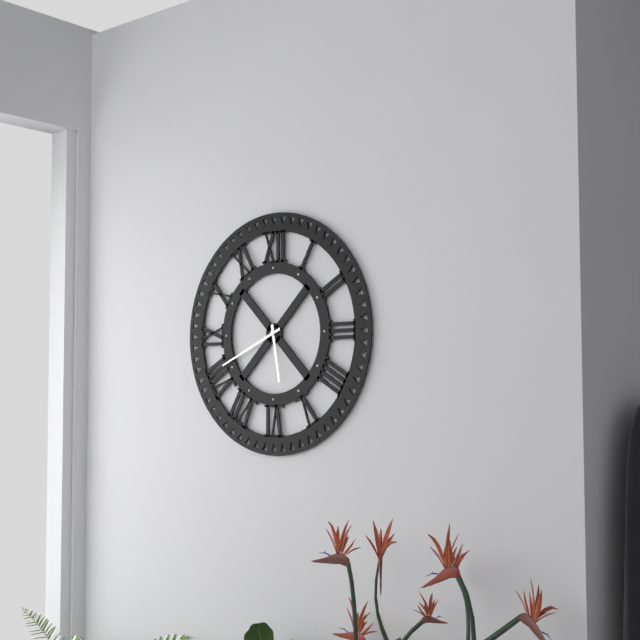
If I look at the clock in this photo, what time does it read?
5:41
